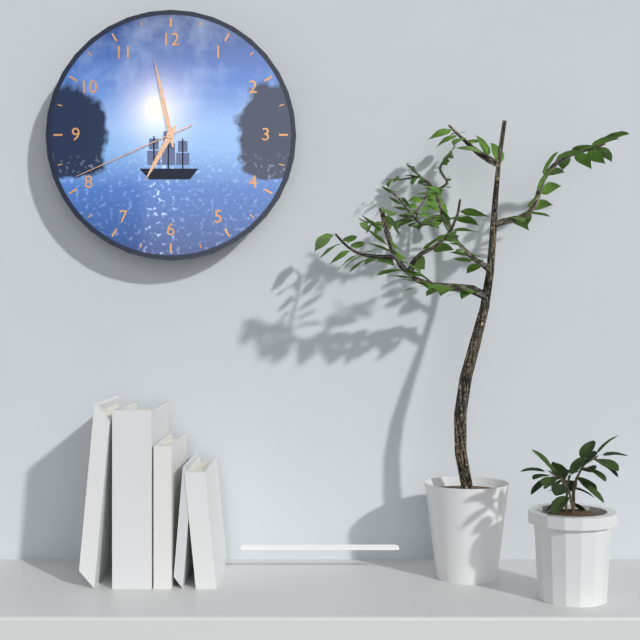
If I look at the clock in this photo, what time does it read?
6:58:41
